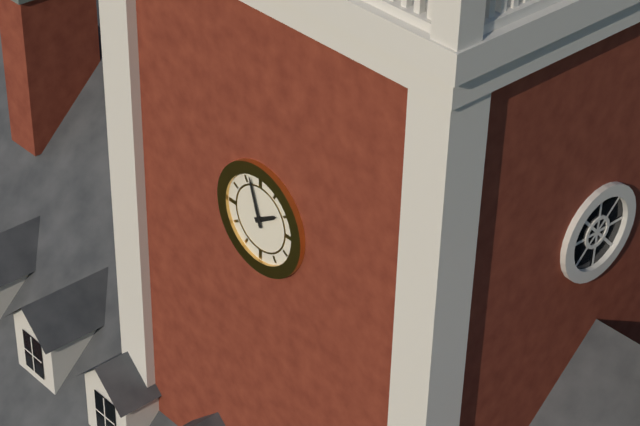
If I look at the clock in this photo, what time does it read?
1:57
